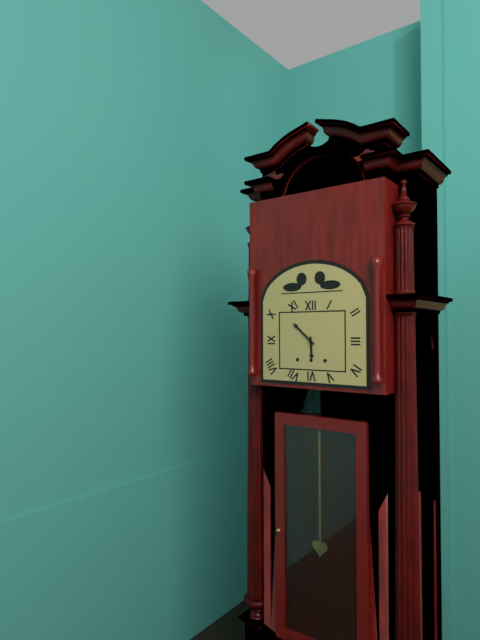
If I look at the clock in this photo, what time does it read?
5:52
